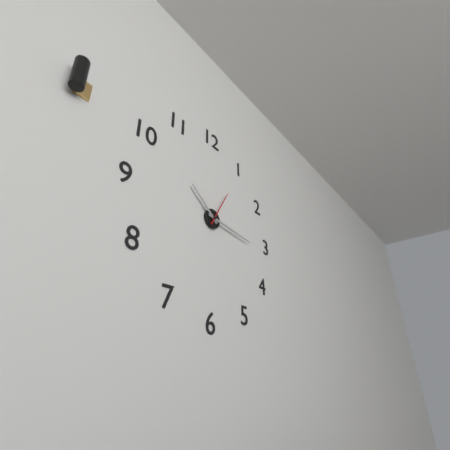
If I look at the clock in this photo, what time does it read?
10:16
